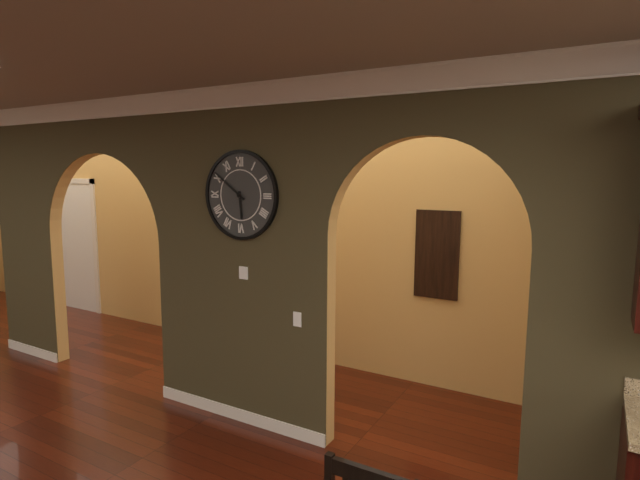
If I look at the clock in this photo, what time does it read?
5:51
